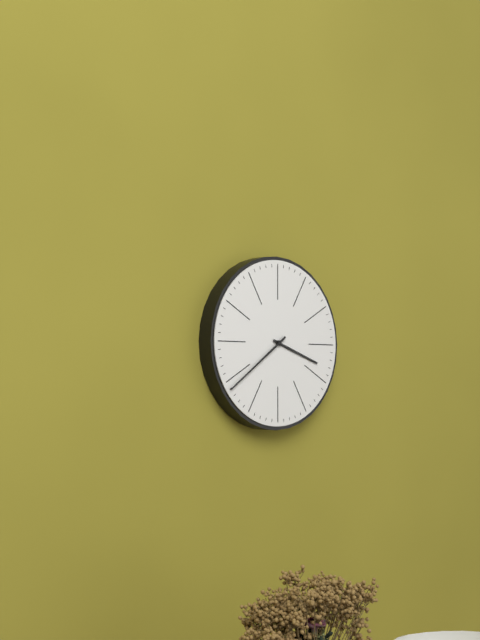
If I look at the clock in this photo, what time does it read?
3:39
